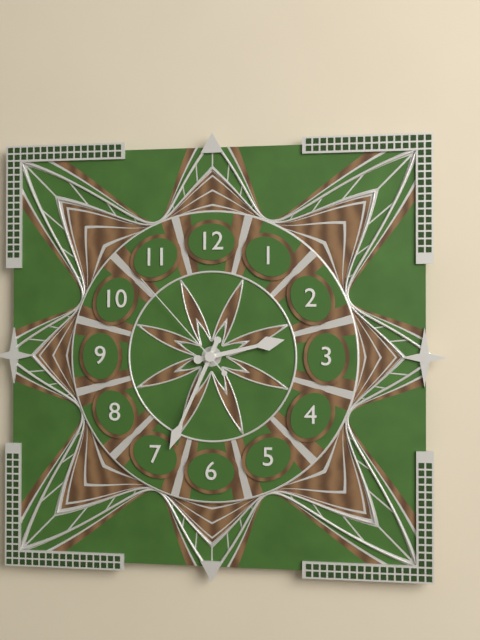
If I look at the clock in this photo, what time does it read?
2:34:53
